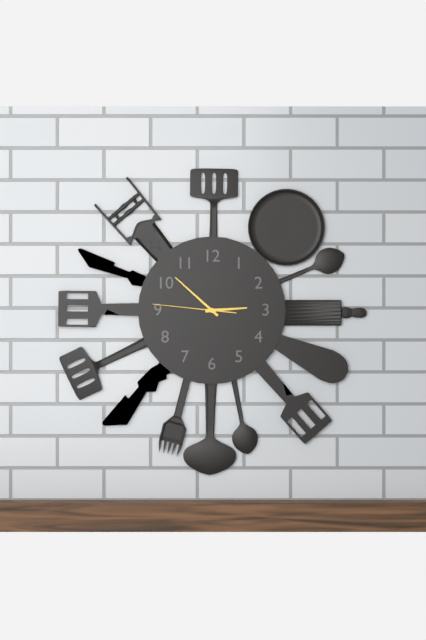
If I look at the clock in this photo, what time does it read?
2:52:46
